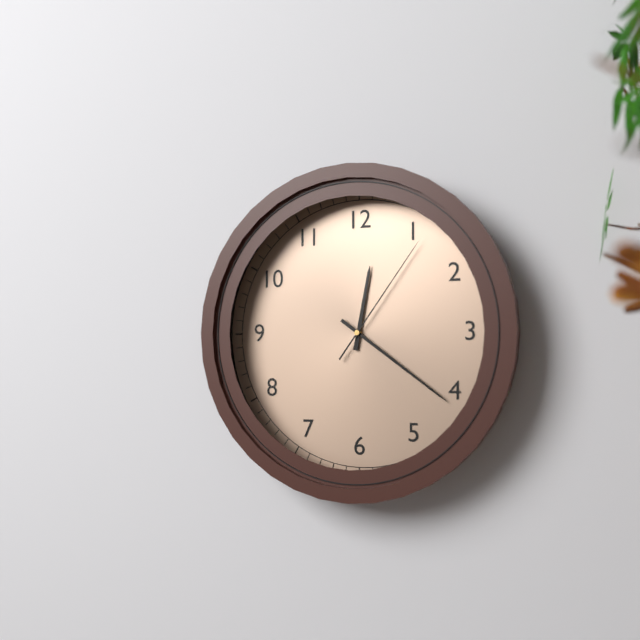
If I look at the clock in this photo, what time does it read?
12:21:06
